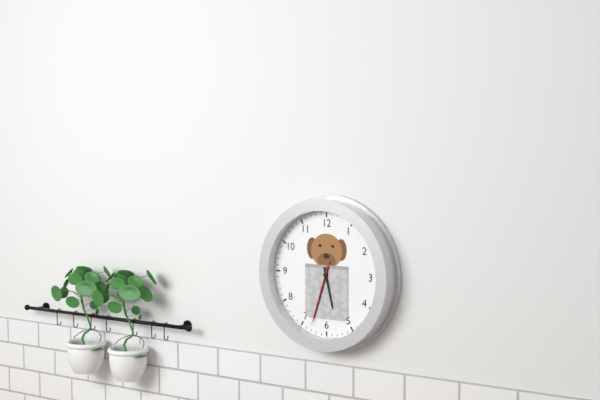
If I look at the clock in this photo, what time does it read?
5:33:33
